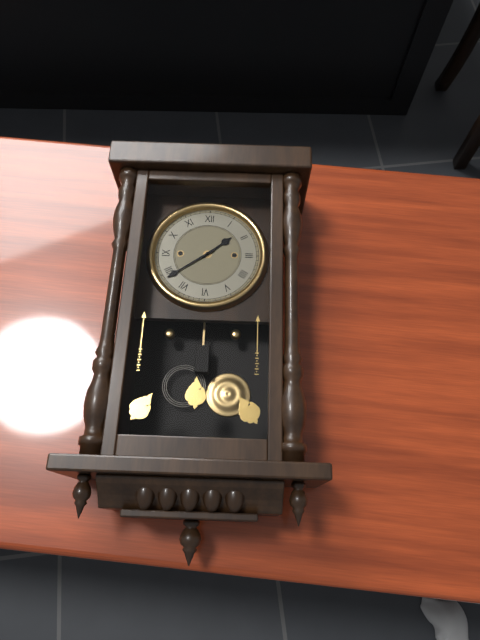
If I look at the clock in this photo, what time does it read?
1:39
